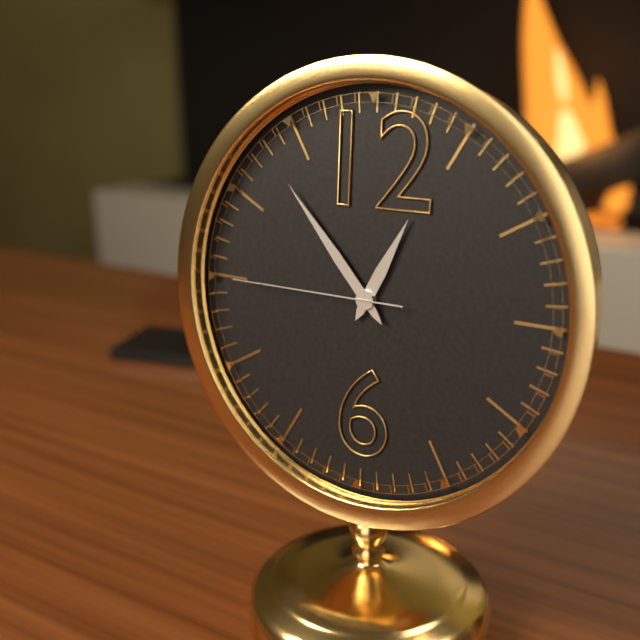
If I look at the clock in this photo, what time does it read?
12:53:45
